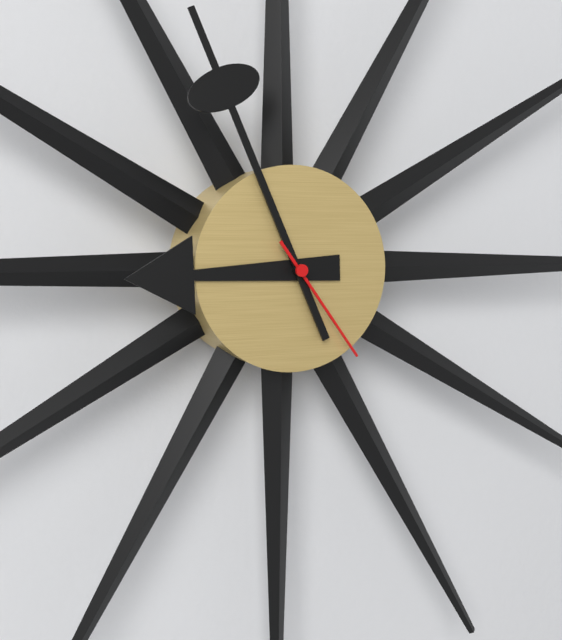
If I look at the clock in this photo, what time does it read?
8:56:24
